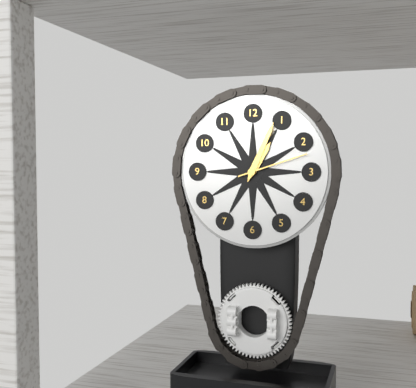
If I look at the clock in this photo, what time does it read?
1:04:12
